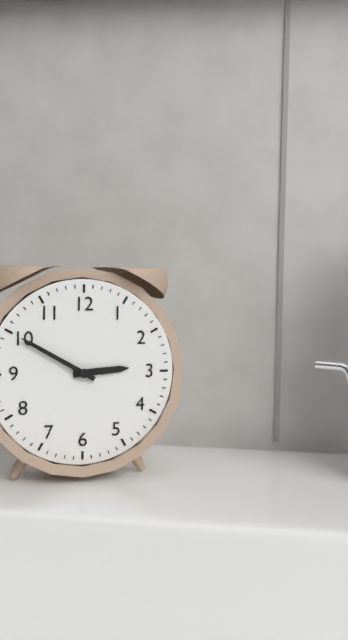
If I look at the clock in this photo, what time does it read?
2:50
